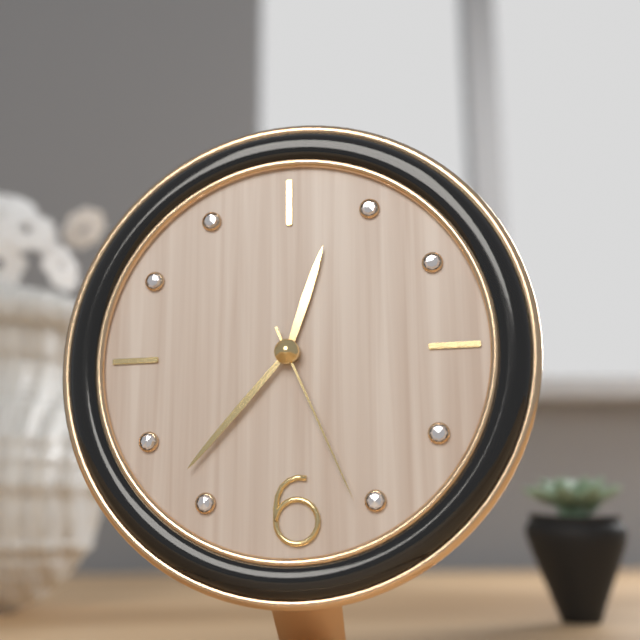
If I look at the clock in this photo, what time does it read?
12:37:26
